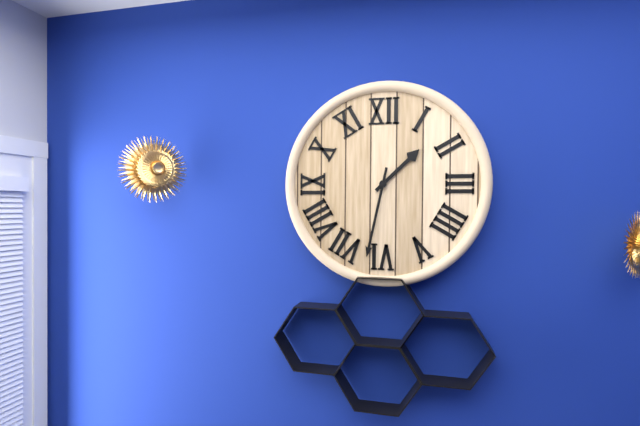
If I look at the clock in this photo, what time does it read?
1:32
